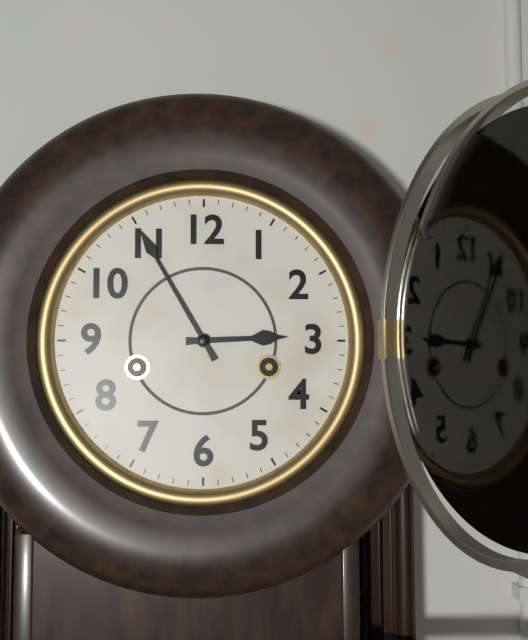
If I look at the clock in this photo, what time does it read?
2:55
